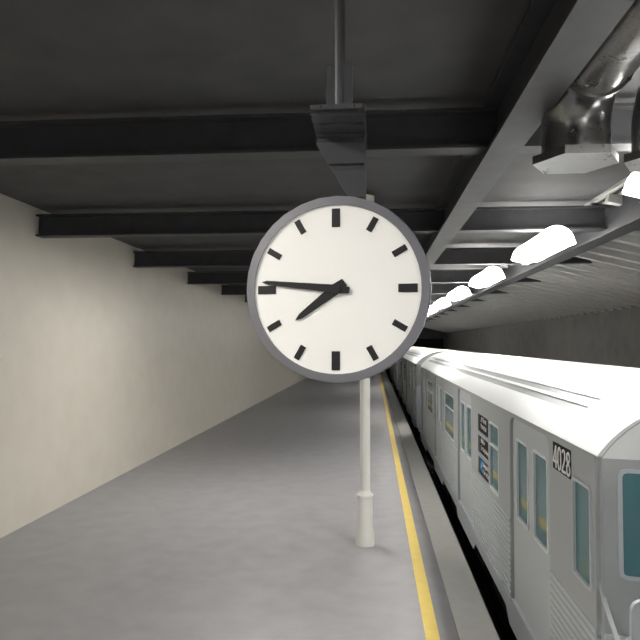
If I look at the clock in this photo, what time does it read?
7:46
